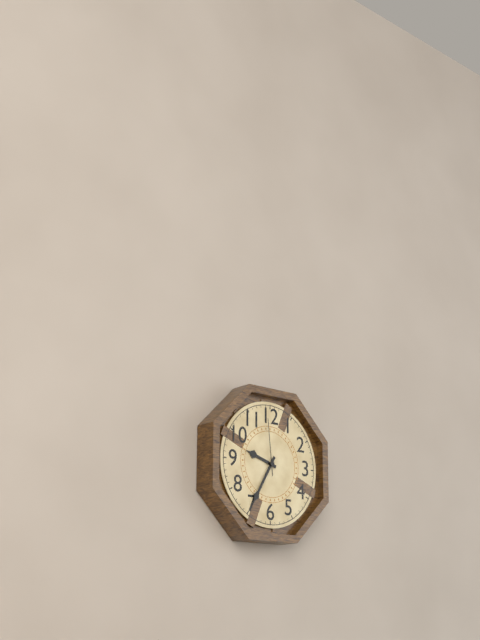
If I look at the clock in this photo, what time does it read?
9:35:59
